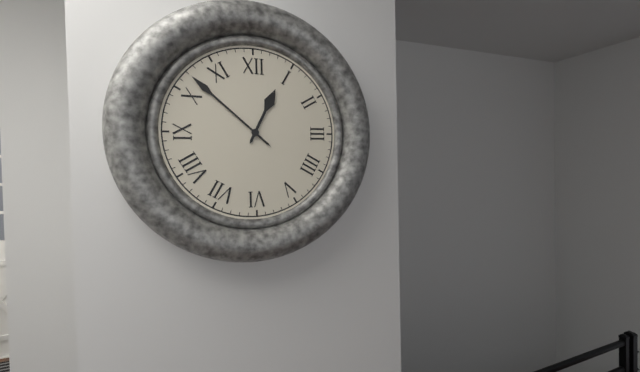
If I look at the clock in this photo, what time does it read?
12:52
